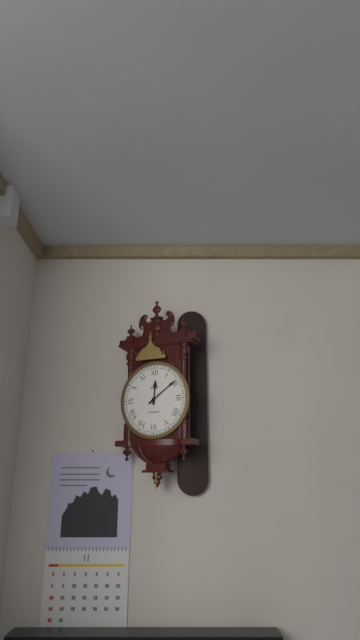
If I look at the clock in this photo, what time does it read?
12:09
